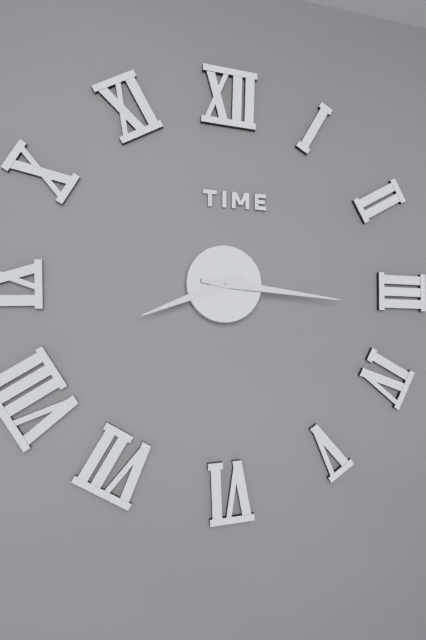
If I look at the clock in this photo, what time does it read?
8:16
